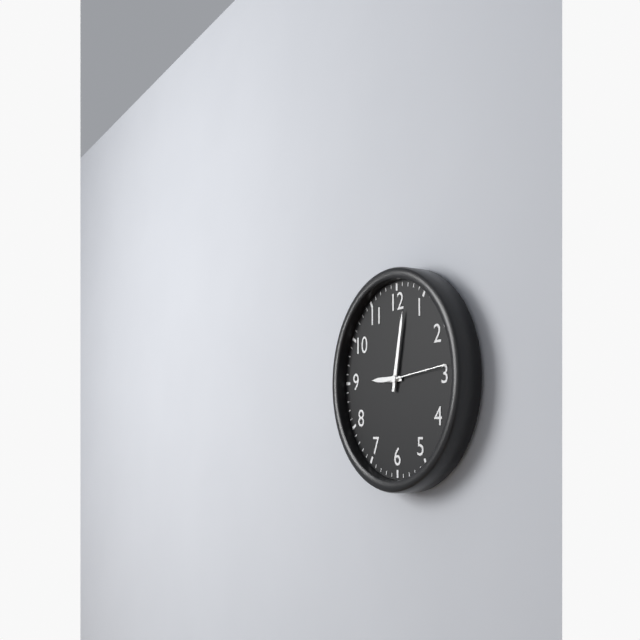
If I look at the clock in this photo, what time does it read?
9:02
